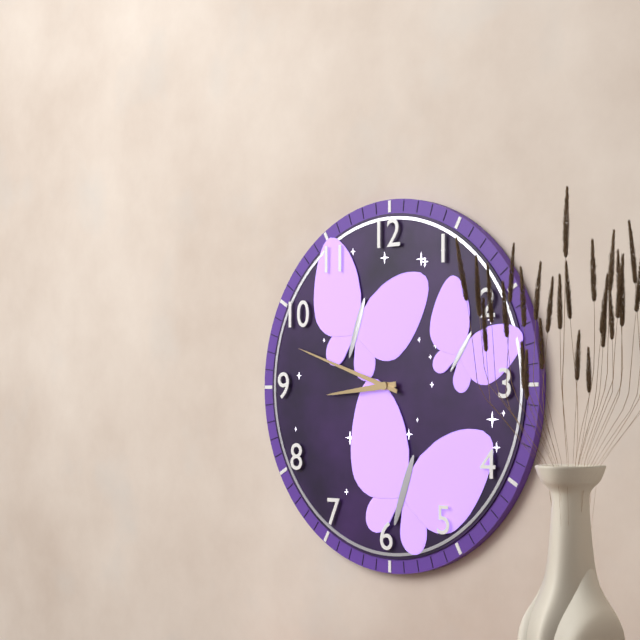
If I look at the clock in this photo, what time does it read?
8:48
